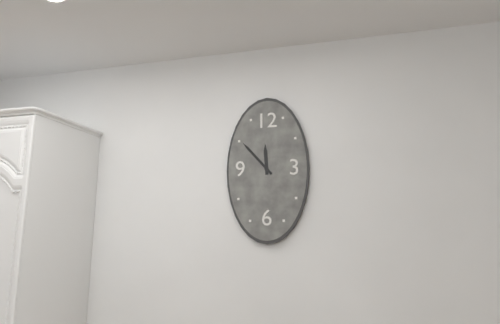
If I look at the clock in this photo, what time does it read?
11:53
